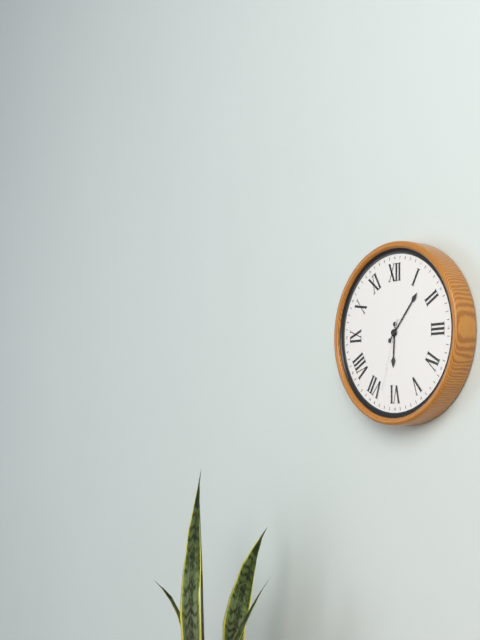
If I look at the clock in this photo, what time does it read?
6:07:33
